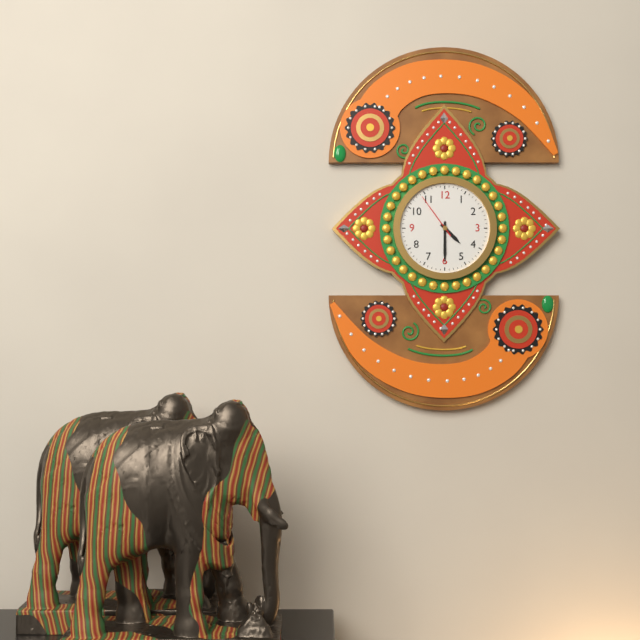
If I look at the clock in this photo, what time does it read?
4:30
